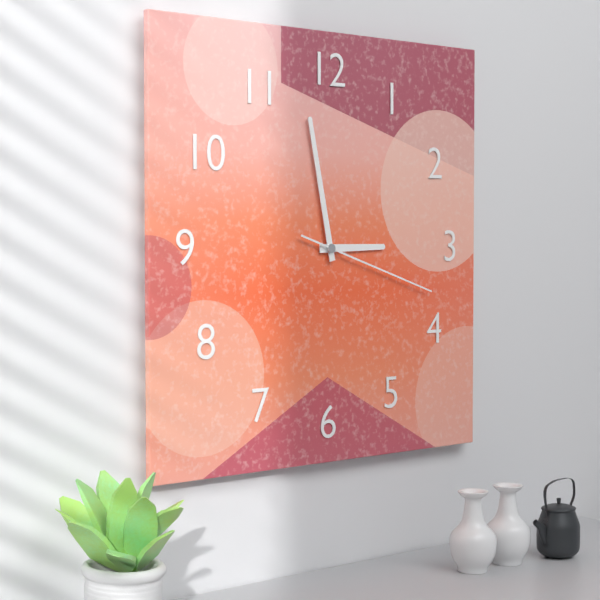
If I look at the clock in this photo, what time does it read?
2:58:18
